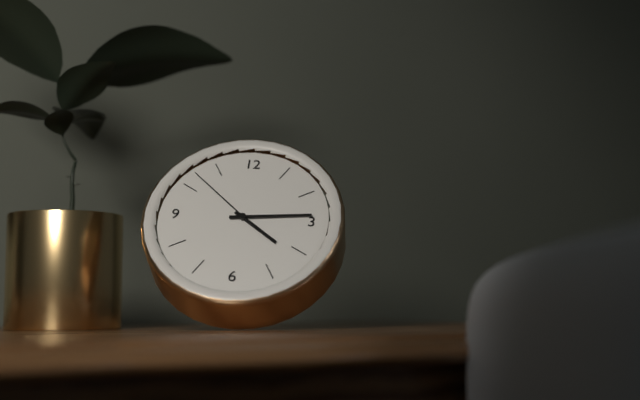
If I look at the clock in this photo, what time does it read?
4:14:52
